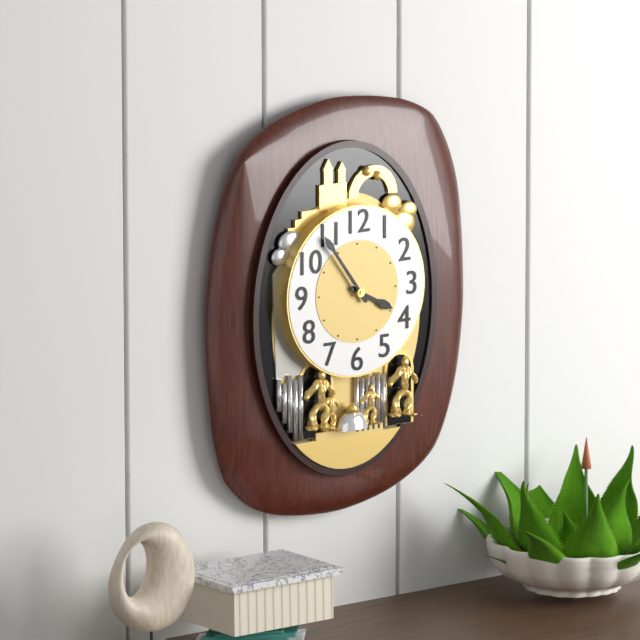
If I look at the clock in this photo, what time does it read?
3:54
